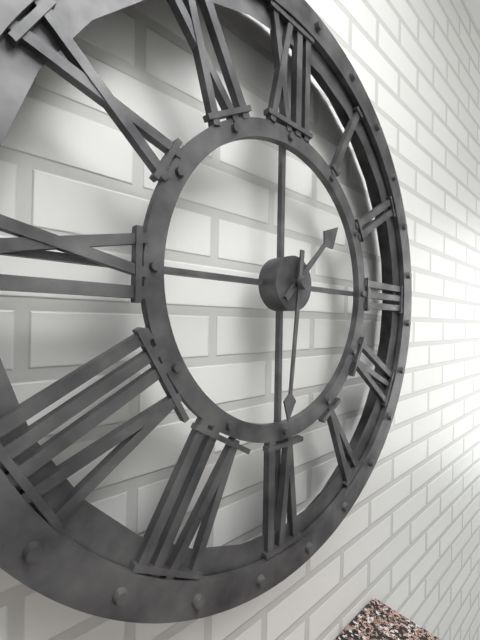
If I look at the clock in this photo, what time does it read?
1:31
